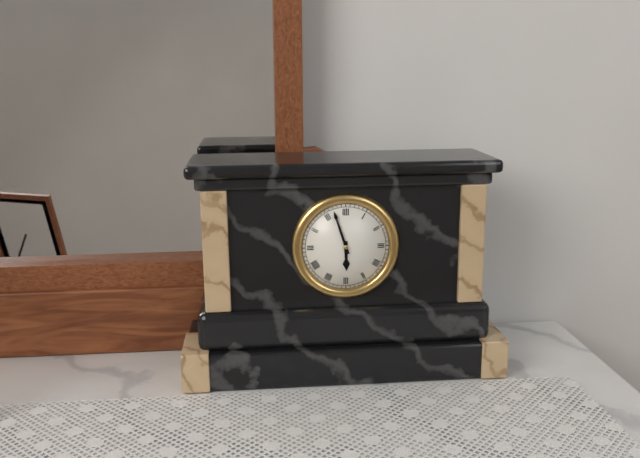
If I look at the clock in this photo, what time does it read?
5:57
